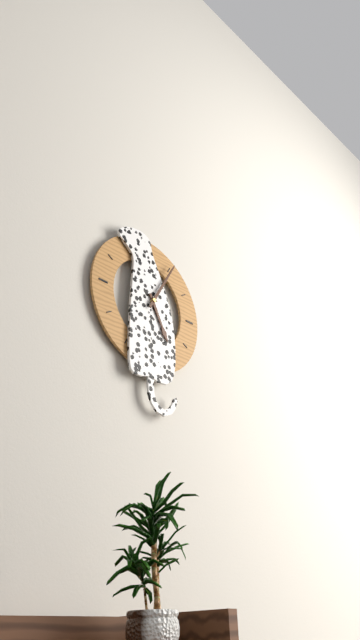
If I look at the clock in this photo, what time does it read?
5:05
